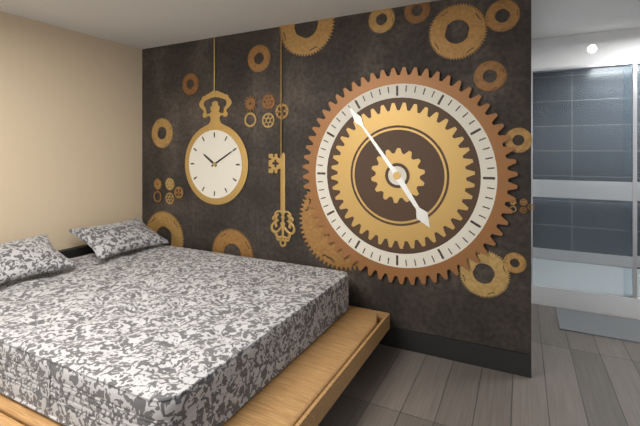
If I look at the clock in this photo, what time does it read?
4:54
